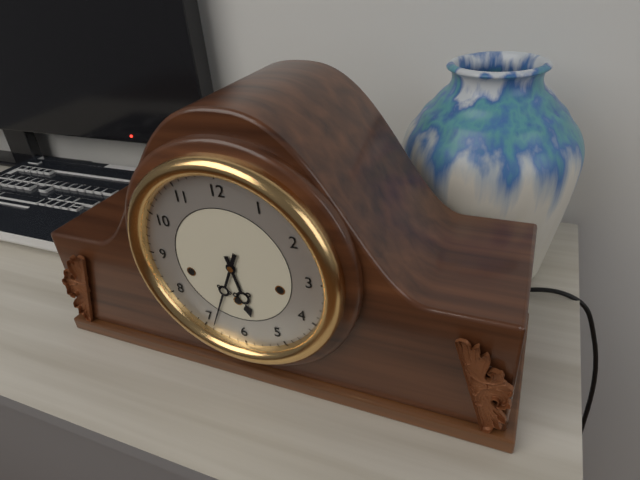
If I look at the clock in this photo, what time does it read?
5:34
